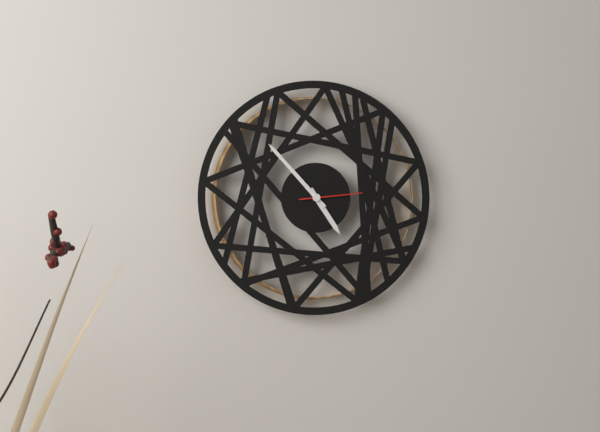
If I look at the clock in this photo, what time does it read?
4:53:14
